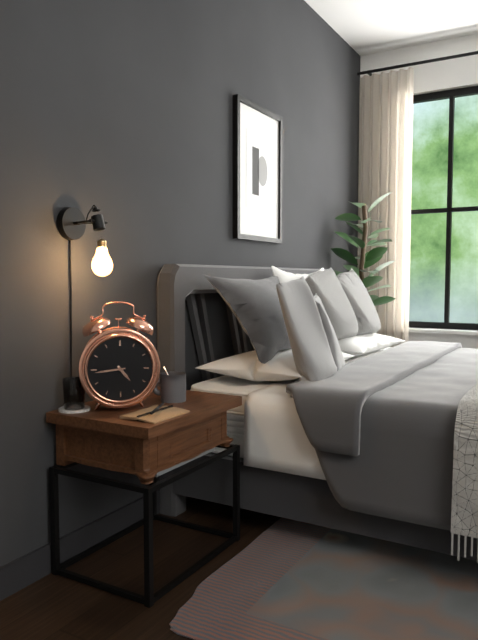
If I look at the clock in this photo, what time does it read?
4:44
